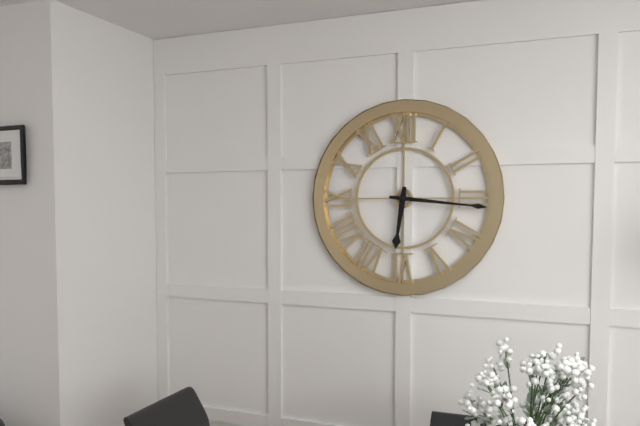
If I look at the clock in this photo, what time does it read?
6:16
